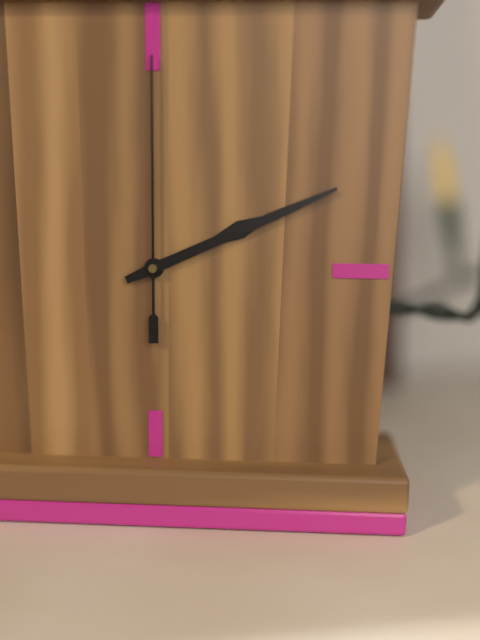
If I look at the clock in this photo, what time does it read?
2:11:00
